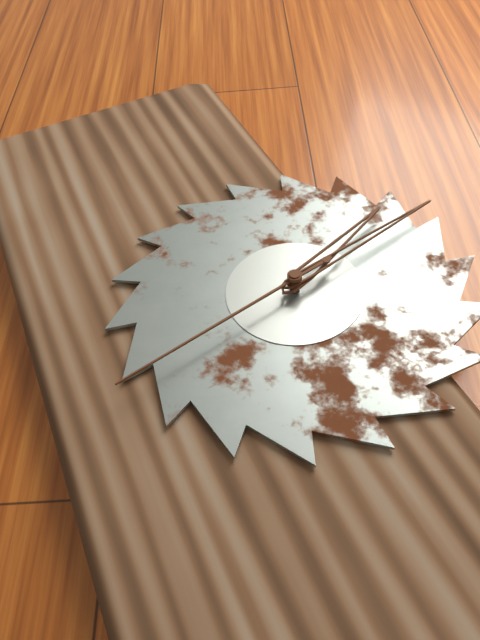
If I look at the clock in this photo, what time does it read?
2:13:43
